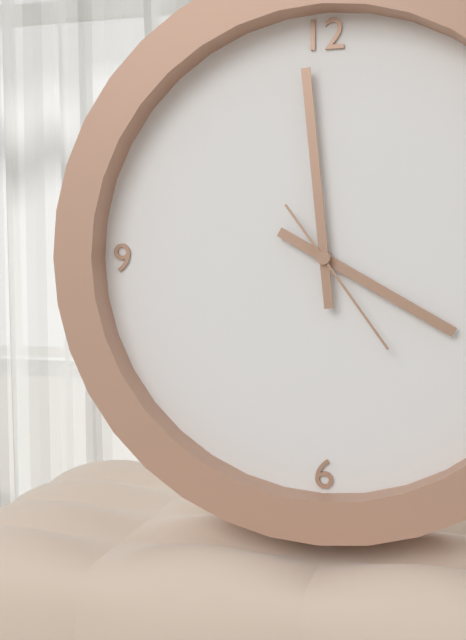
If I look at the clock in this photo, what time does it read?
3:59:24
